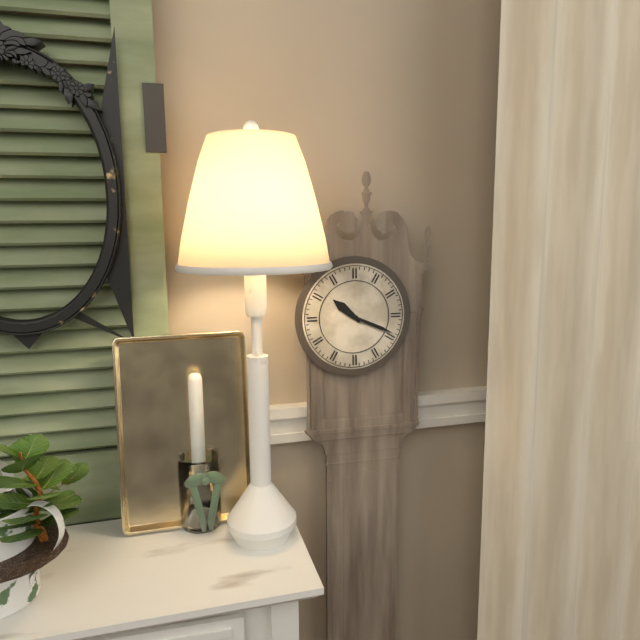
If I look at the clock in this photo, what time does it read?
10:19
